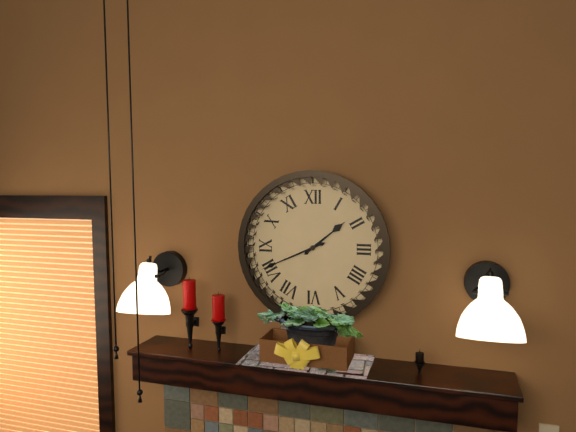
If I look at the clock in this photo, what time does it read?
1:41
